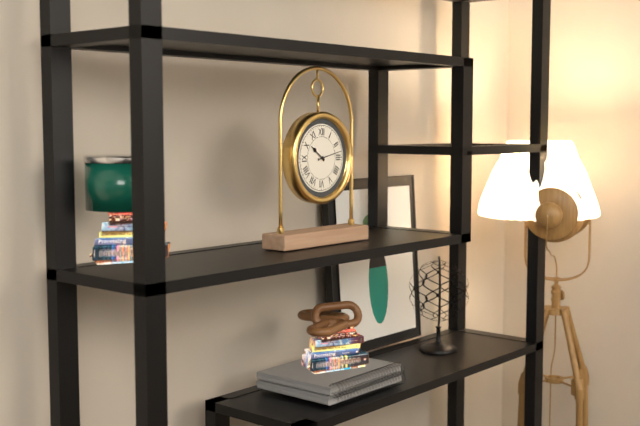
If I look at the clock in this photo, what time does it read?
10:13
